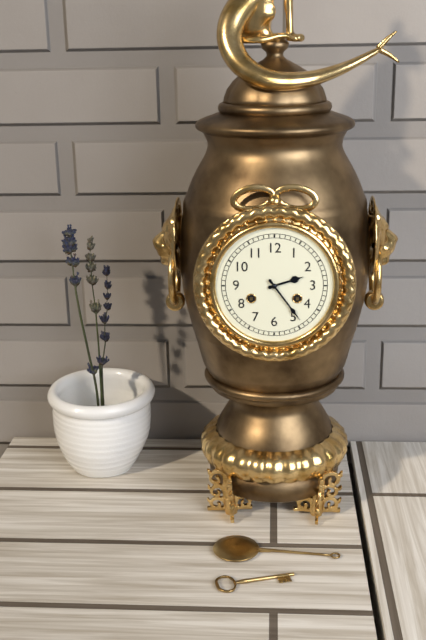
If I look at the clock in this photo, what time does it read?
2:24
